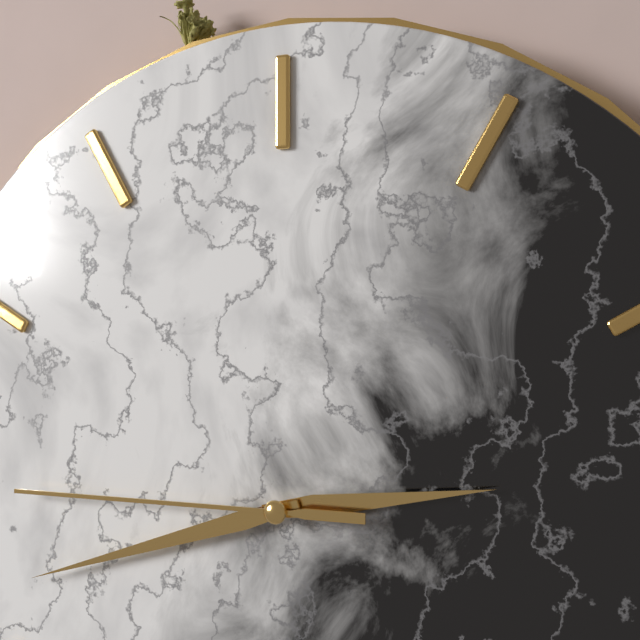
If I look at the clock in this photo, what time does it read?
2:42:45
